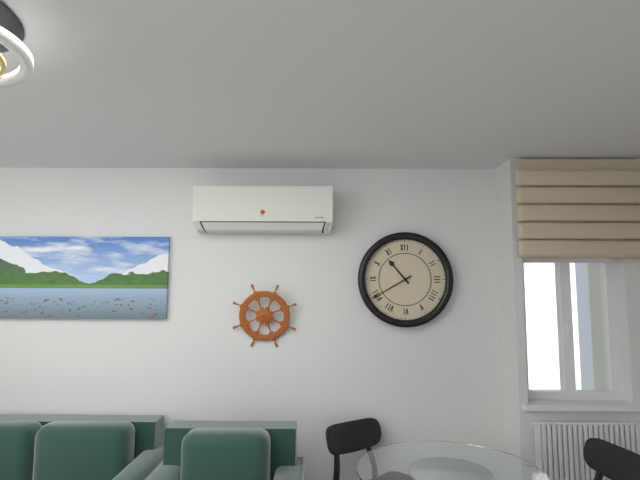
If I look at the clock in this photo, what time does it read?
10:40
